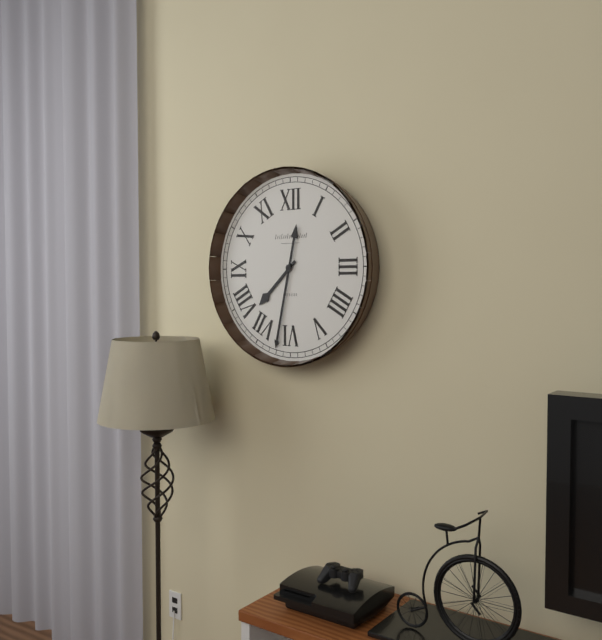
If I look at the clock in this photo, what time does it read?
7:32
